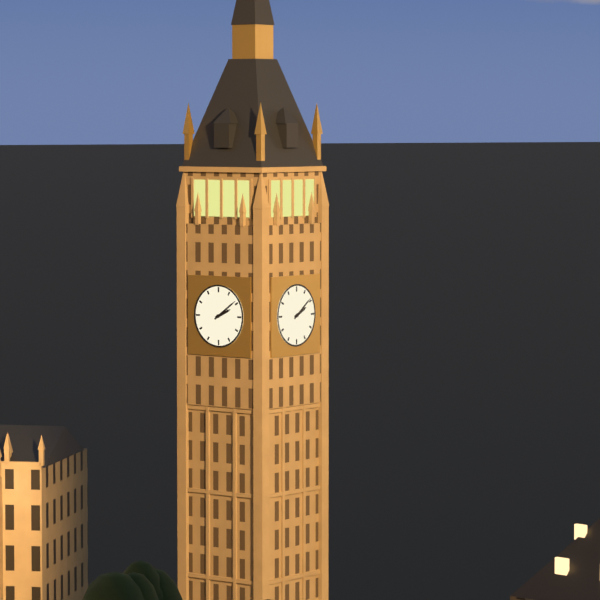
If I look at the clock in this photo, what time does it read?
2:09
